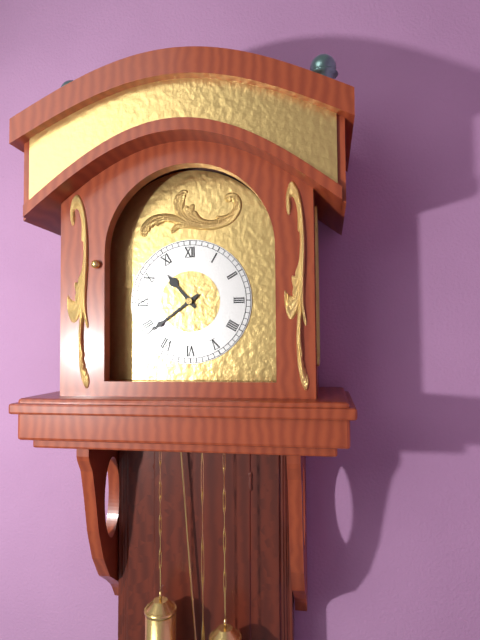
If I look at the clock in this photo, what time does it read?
10:39
